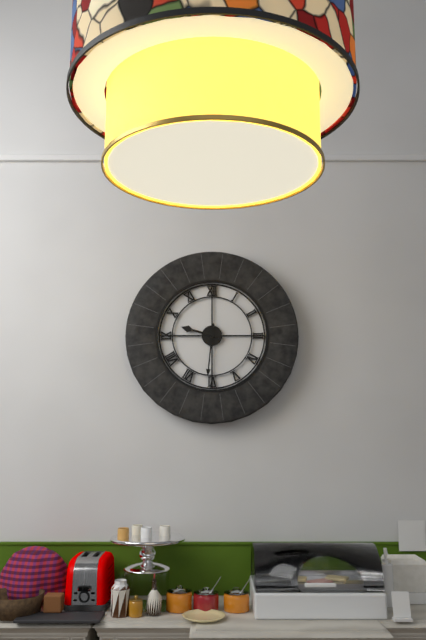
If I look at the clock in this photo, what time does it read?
9:31
